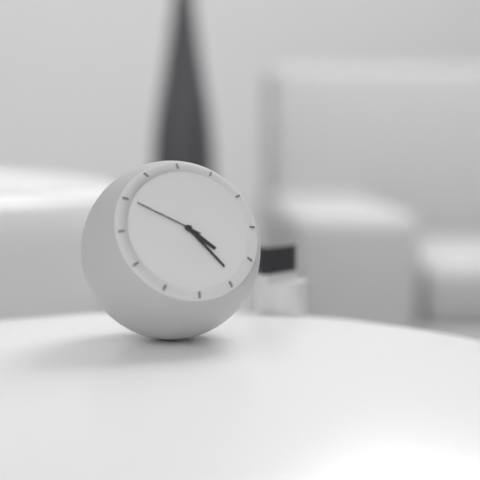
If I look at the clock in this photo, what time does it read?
4:24:50
